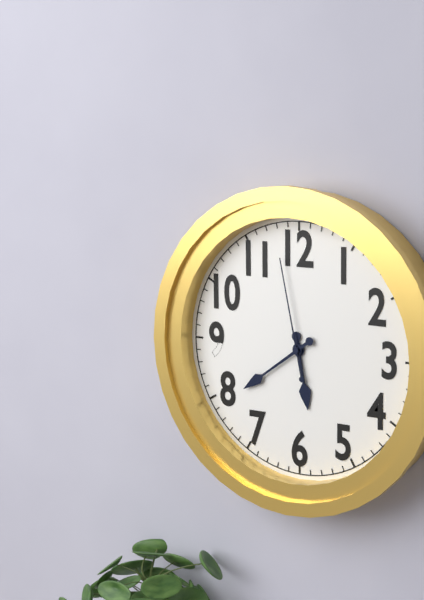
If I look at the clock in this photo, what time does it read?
5:39:58
